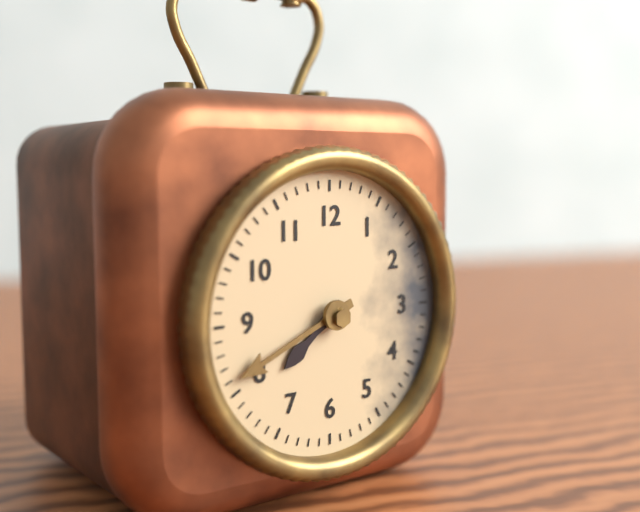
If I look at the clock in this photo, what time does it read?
7:41
